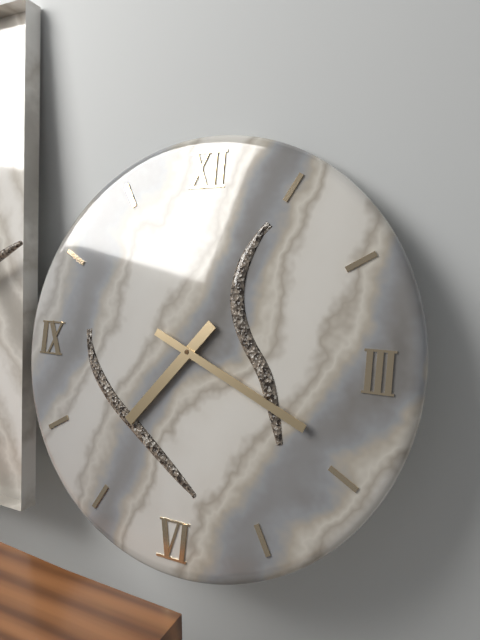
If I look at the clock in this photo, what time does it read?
7:19
